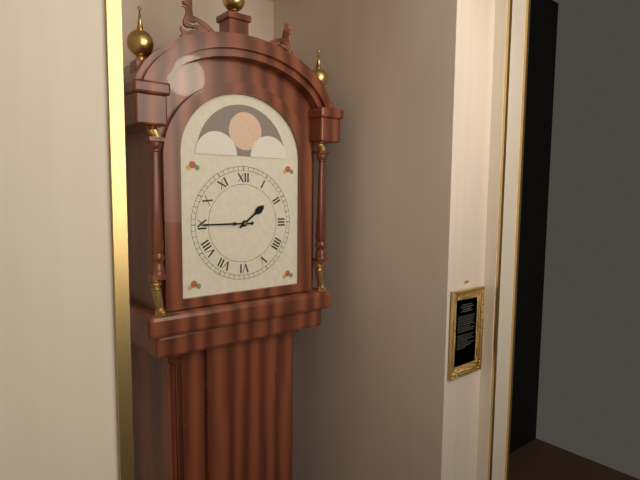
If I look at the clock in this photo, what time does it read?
1:45
